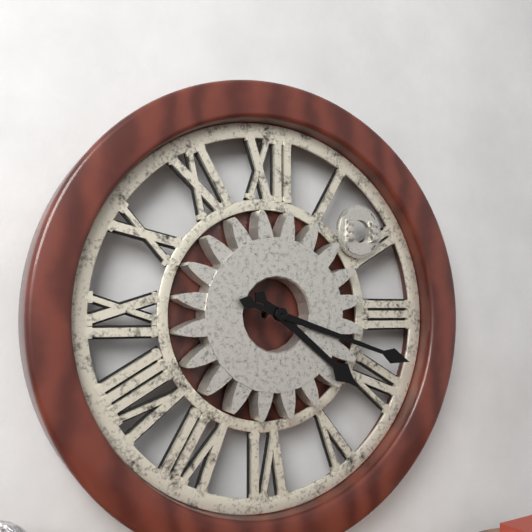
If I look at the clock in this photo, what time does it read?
4:18
